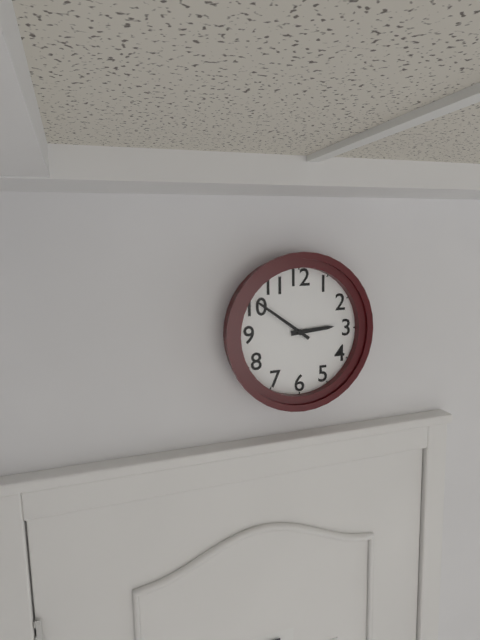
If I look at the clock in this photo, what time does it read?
2:51
